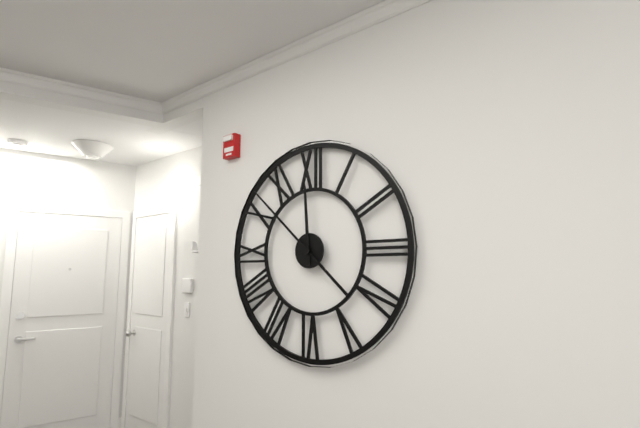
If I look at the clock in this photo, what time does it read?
11:52
